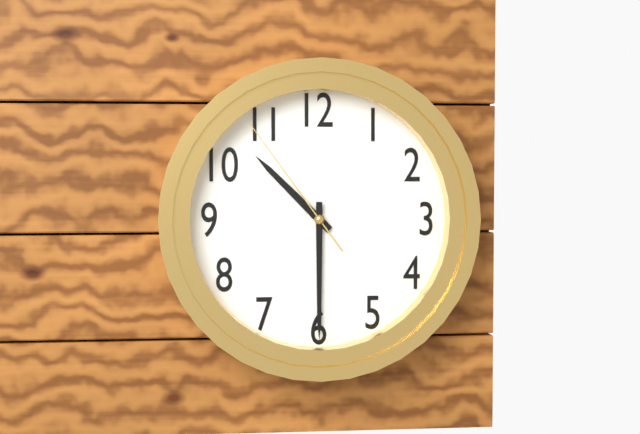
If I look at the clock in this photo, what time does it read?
10:30:54
